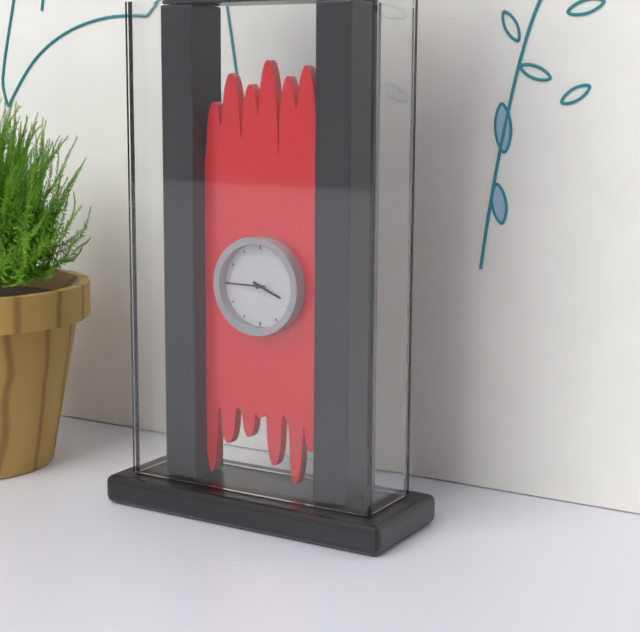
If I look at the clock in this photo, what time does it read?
3:45
